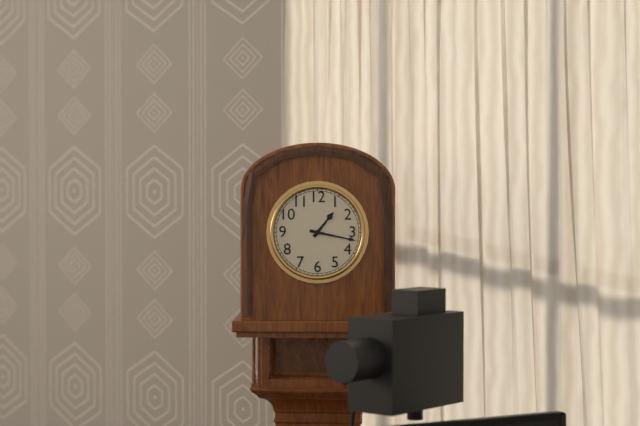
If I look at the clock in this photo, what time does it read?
1:17
